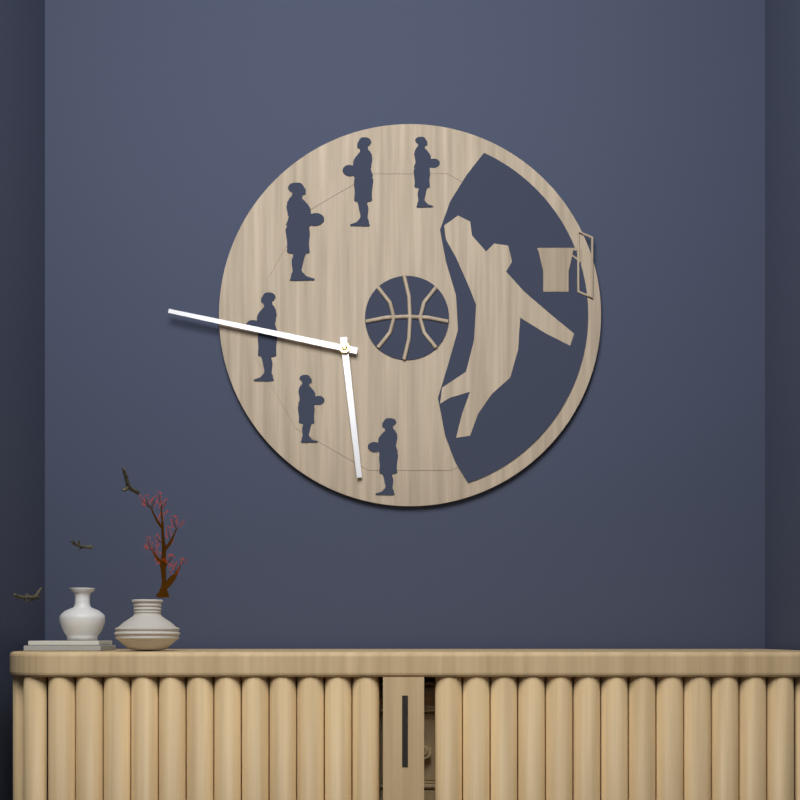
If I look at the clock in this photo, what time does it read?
5:47
